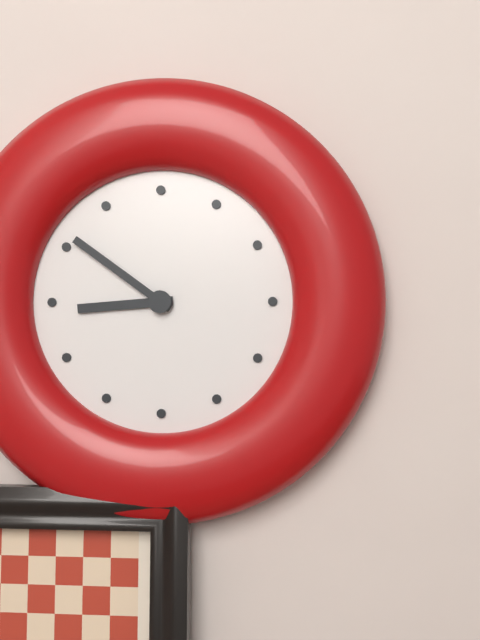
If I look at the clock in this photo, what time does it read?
8:51
